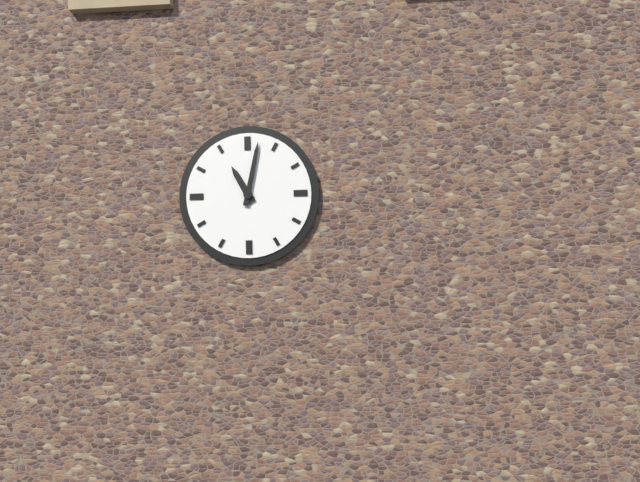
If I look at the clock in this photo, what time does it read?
11:02
